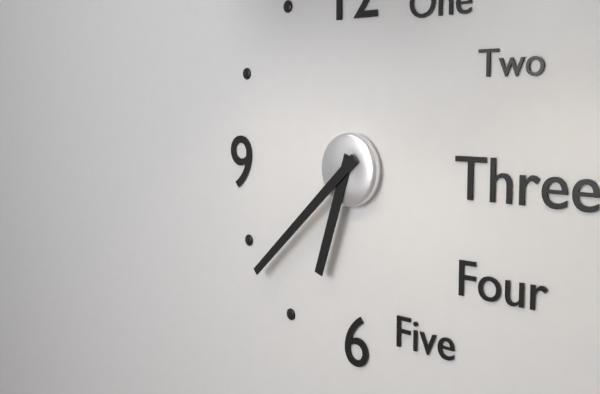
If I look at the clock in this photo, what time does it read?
6:38
